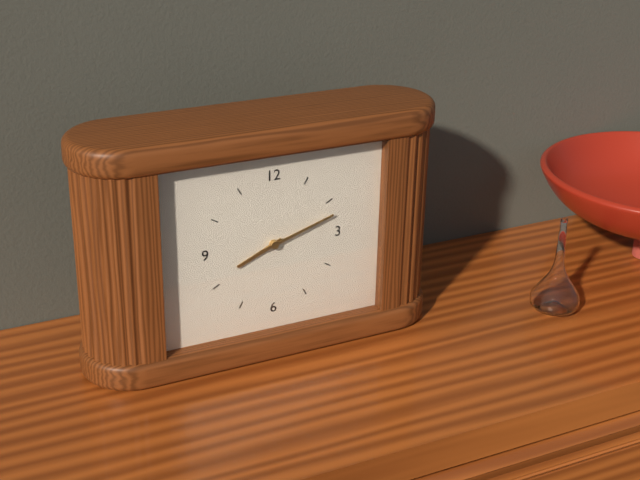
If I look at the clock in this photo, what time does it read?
8:12
